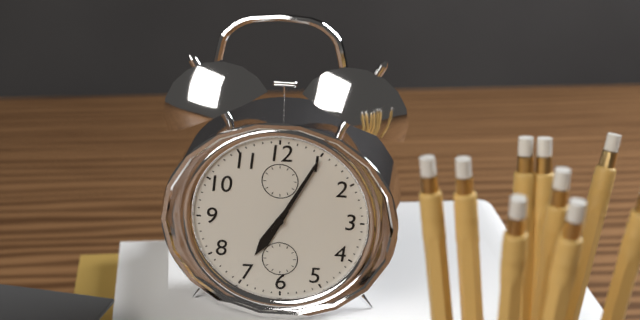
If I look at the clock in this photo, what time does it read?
7:05
